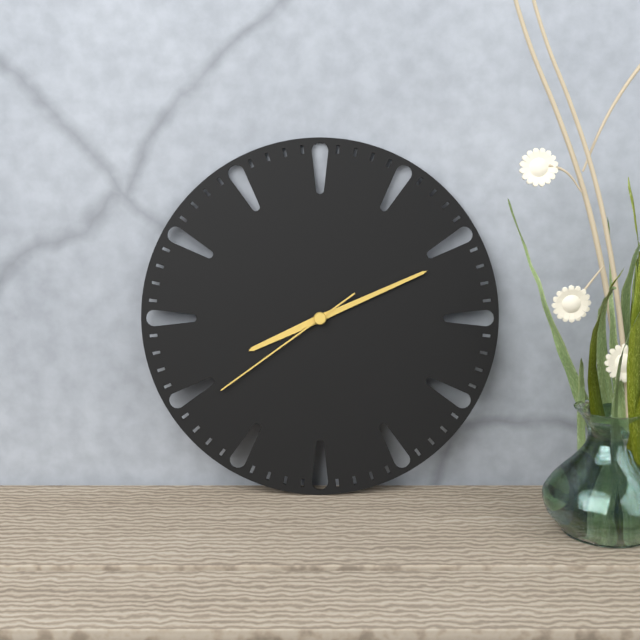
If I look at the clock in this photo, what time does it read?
8:11:39
